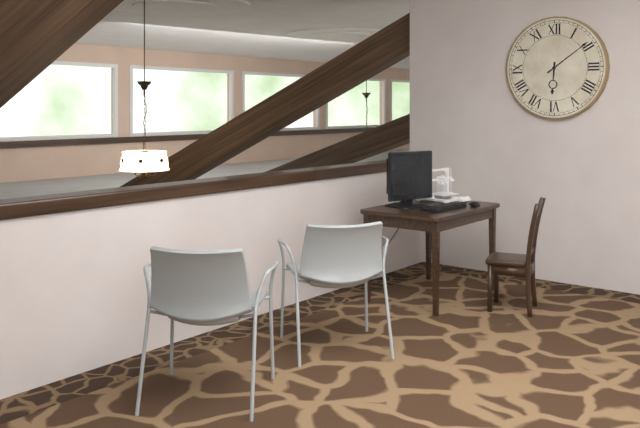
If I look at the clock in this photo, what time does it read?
6:09
